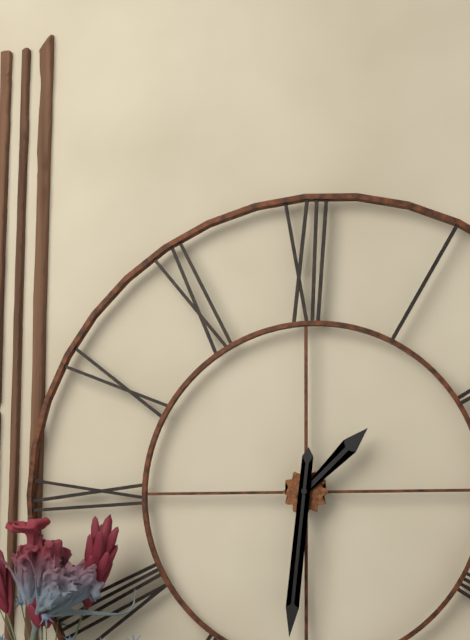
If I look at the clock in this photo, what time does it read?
1:31
